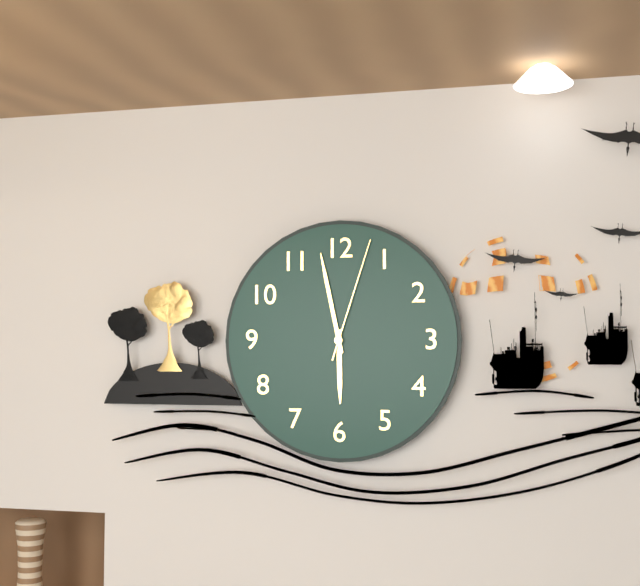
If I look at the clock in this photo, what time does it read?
5:58:03
